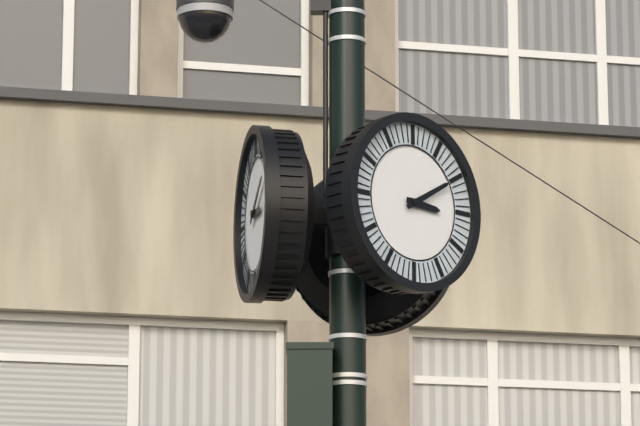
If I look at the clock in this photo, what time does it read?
3:10
